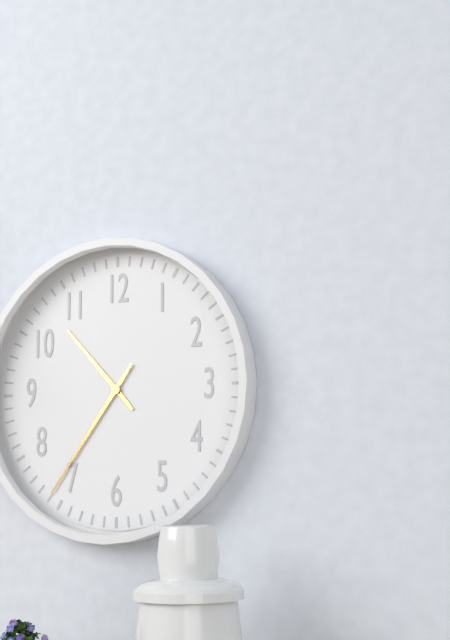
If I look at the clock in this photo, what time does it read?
10:36
